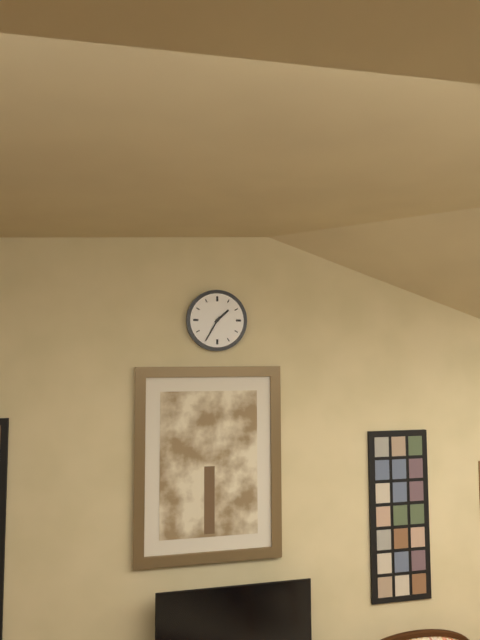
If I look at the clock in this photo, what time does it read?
1:35
